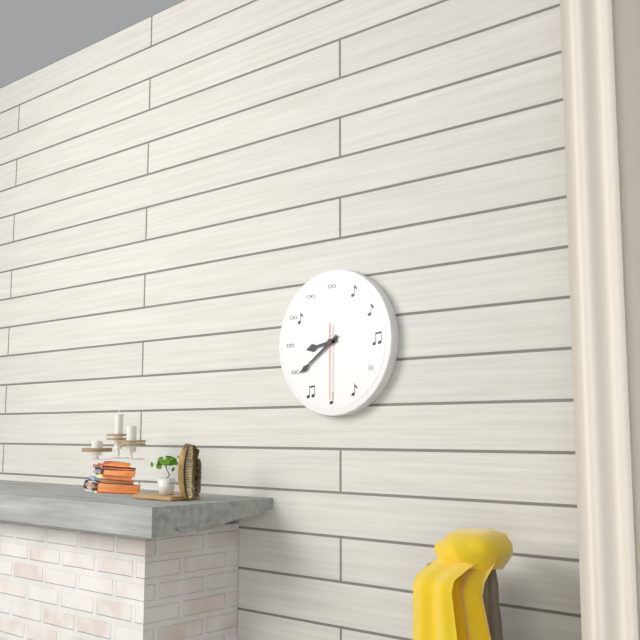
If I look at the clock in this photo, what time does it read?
8:39:30
